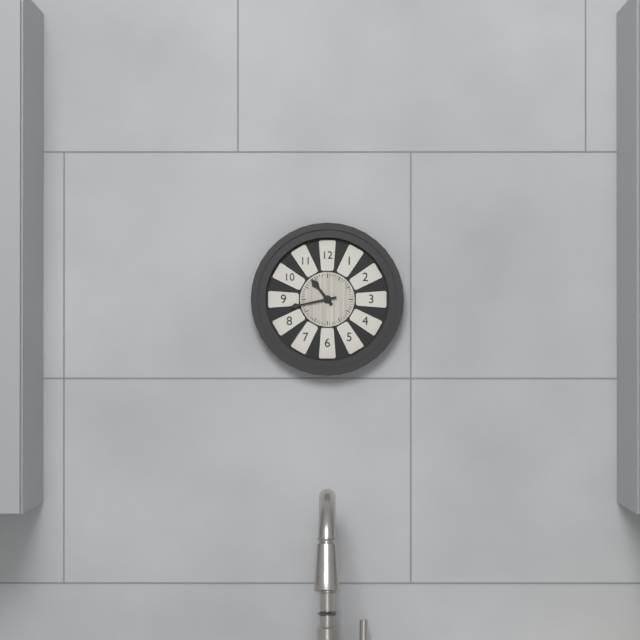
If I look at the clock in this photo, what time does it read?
10:43
